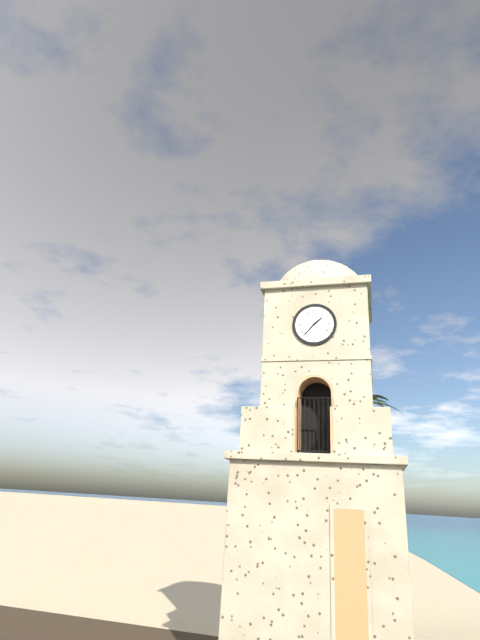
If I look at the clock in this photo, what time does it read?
1:37
